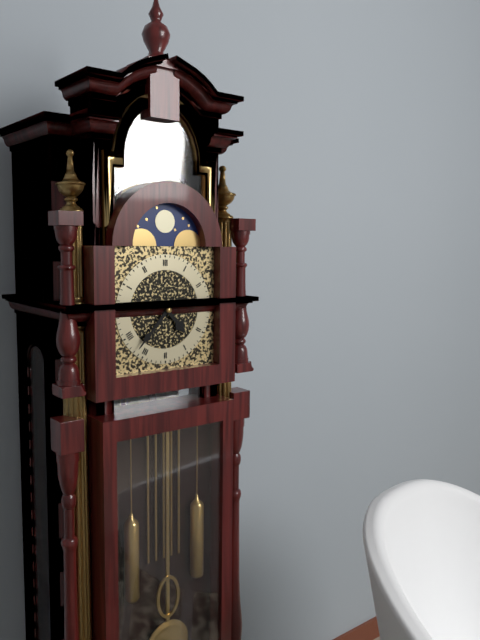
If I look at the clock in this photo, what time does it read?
4:37
